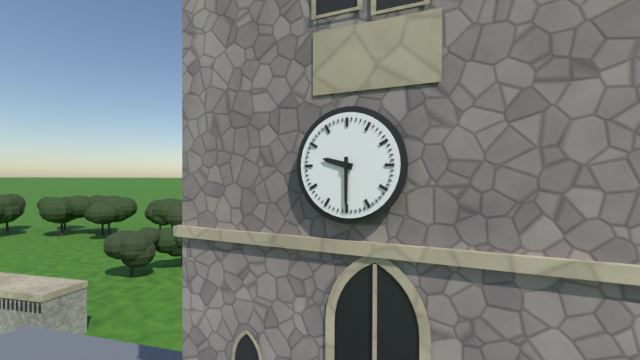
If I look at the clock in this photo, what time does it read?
9:30
